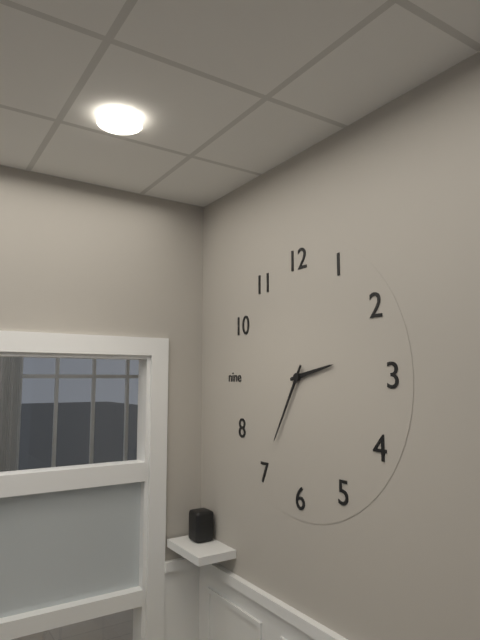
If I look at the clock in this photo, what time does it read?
2:35
